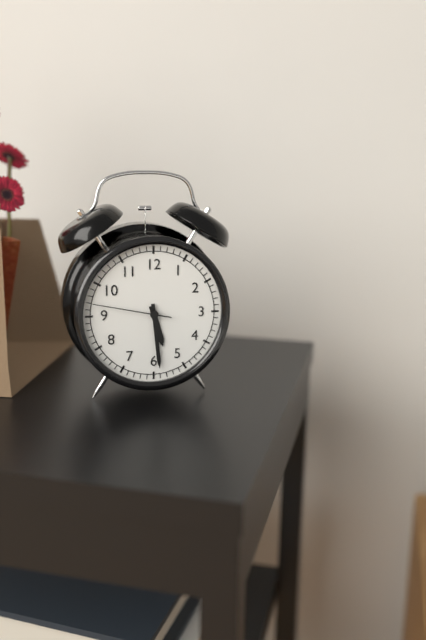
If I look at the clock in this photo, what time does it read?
5:29:47
